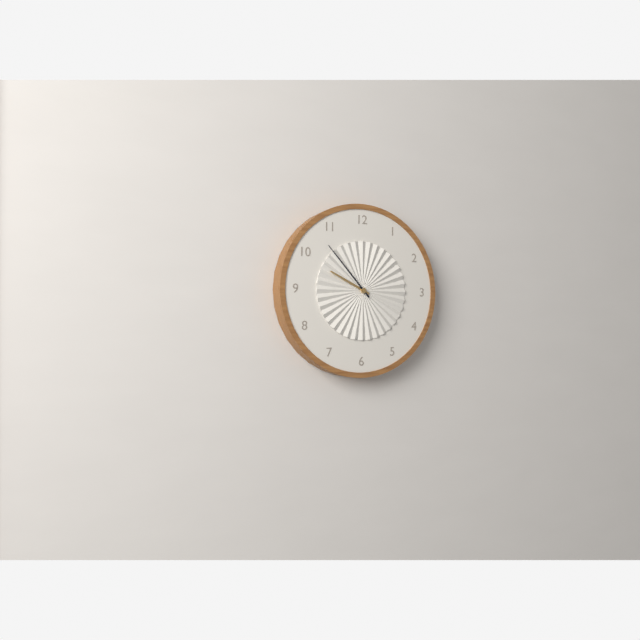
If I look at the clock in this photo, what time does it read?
9:53
